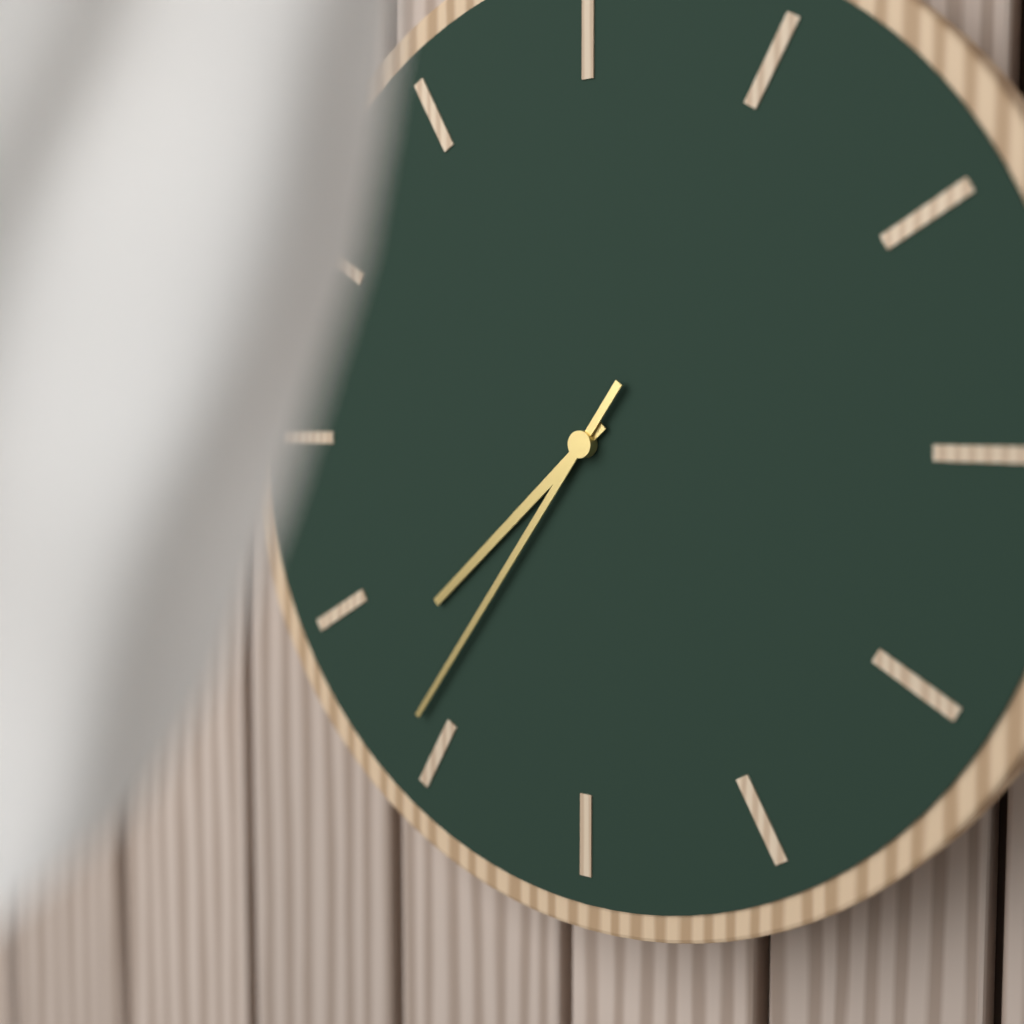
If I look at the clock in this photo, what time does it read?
7:36
